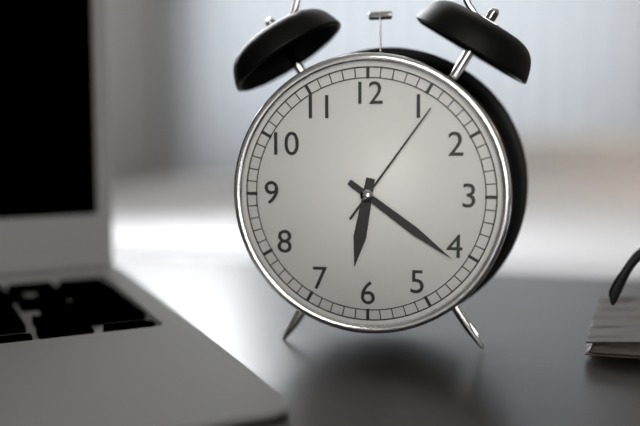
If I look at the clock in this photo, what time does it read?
6:21:06
